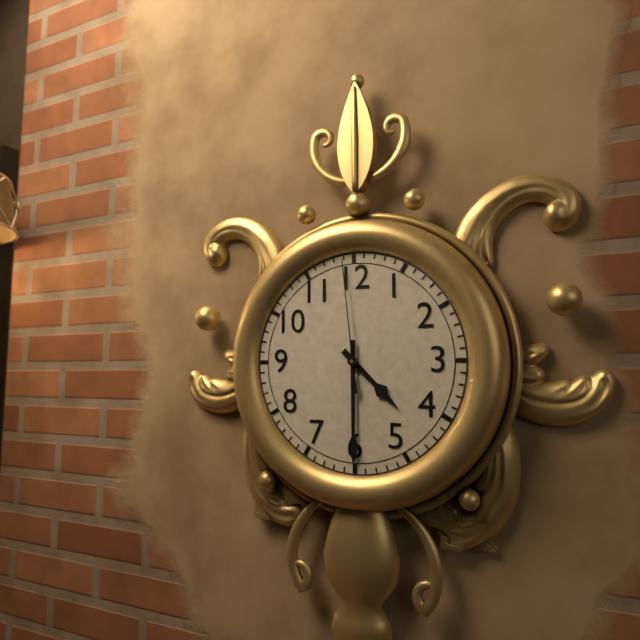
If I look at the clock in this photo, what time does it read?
4:30:59
